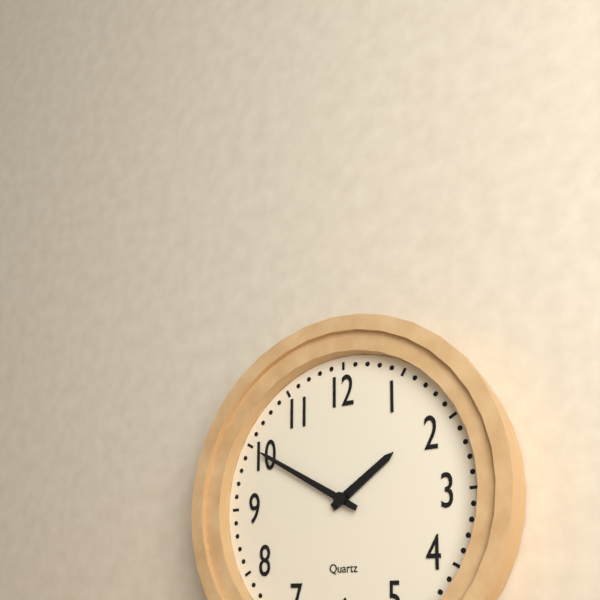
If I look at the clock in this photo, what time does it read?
1:50
